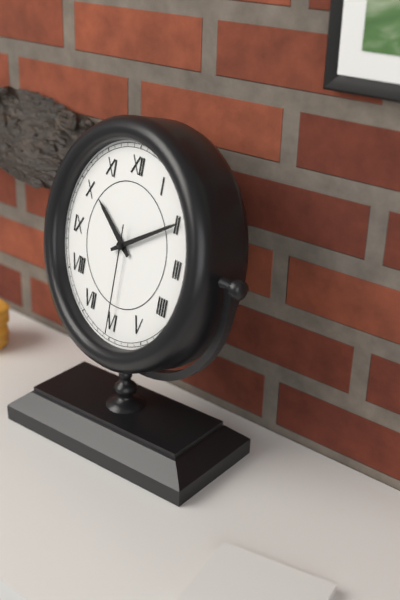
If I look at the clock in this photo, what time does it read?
10:10:30
